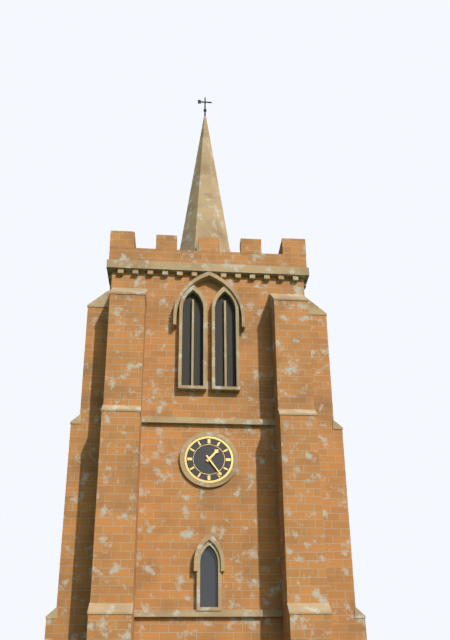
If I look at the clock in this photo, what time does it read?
1:24
